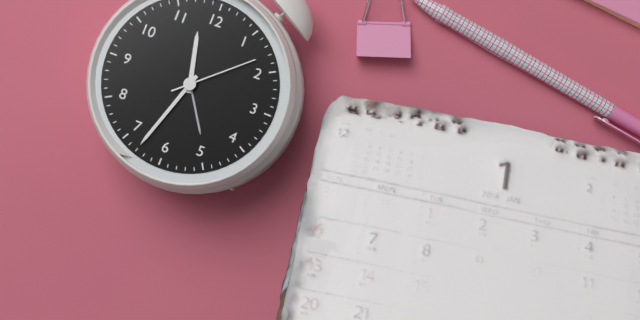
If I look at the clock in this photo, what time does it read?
11:33:08
